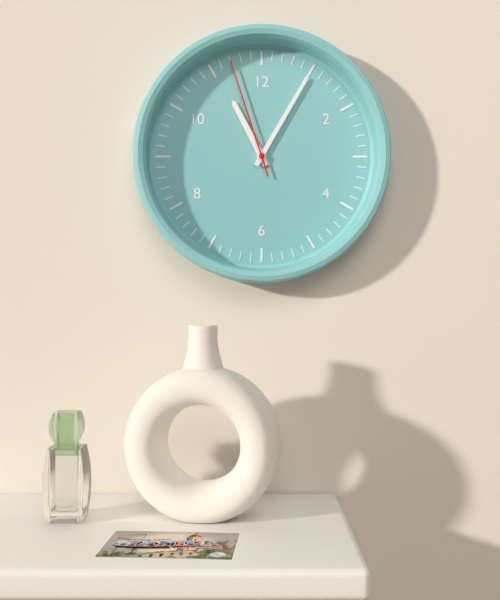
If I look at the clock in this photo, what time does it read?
11:05:57
